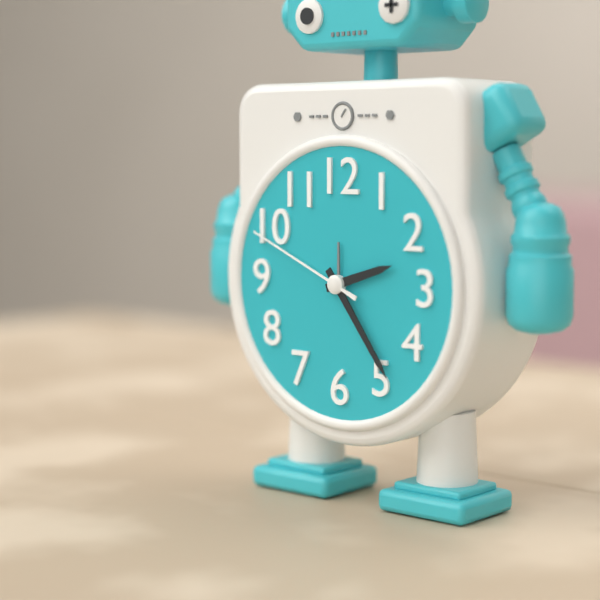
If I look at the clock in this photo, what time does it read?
2:24:49
